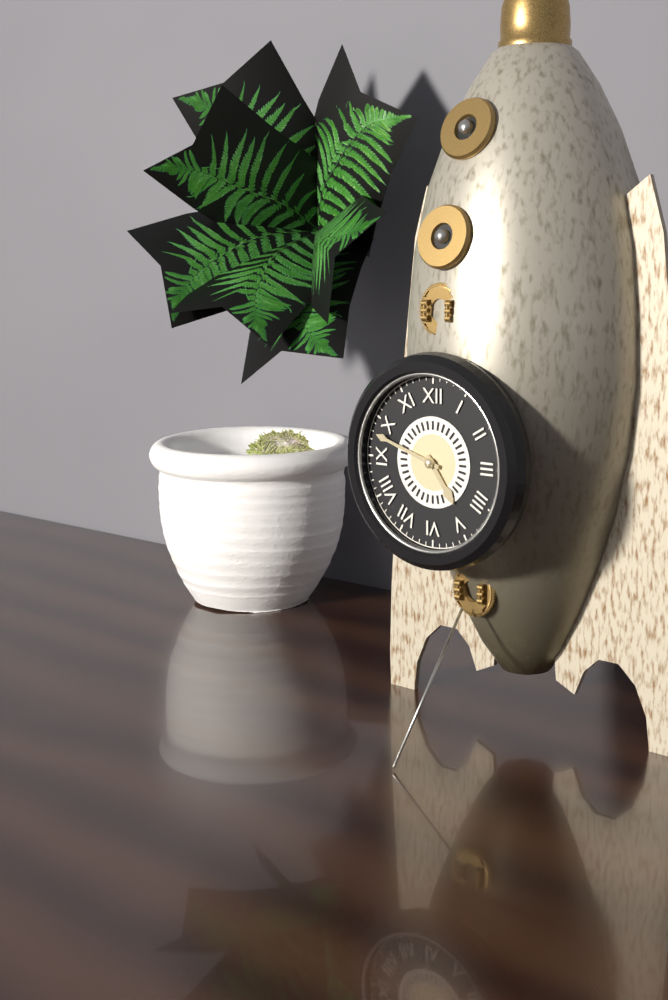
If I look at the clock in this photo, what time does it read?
4:48
